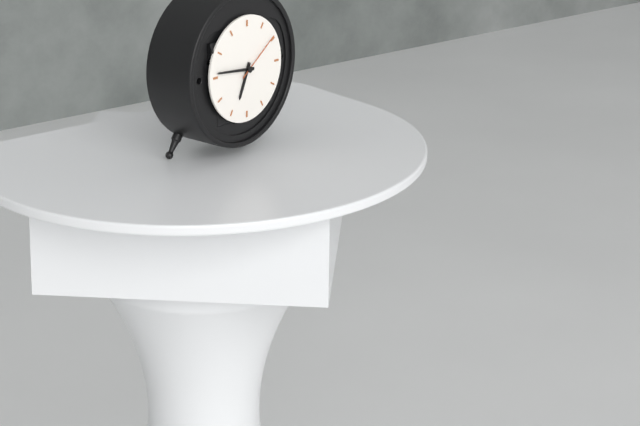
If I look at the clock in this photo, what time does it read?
6:46:09
